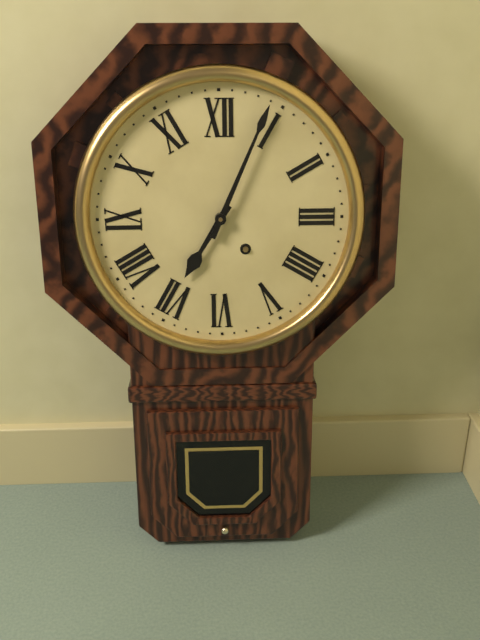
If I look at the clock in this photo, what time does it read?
7:04
